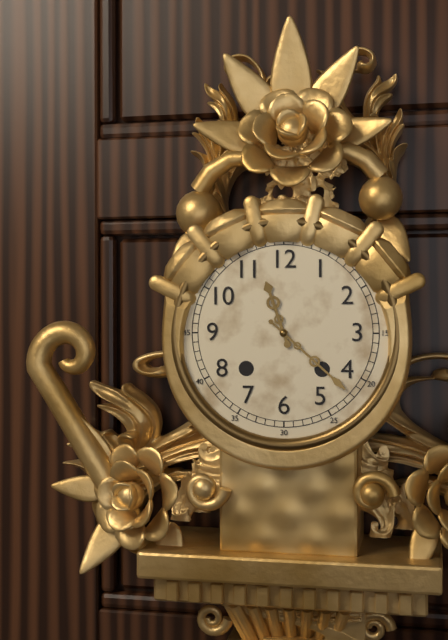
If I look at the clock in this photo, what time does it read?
11:22
